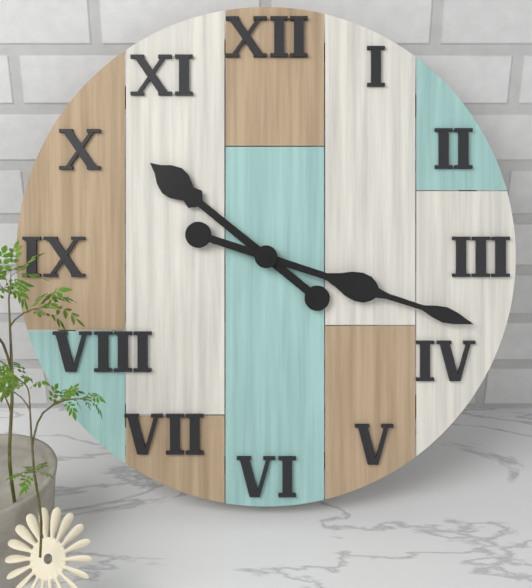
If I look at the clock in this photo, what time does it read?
10:18
